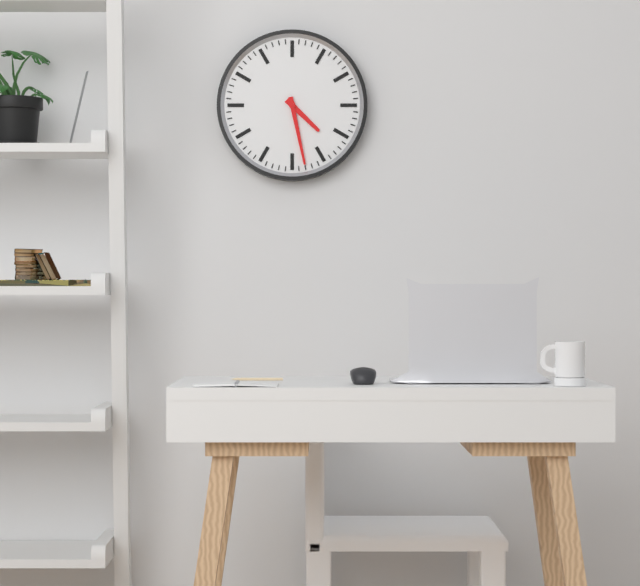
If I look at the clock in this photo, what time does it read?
4:28
